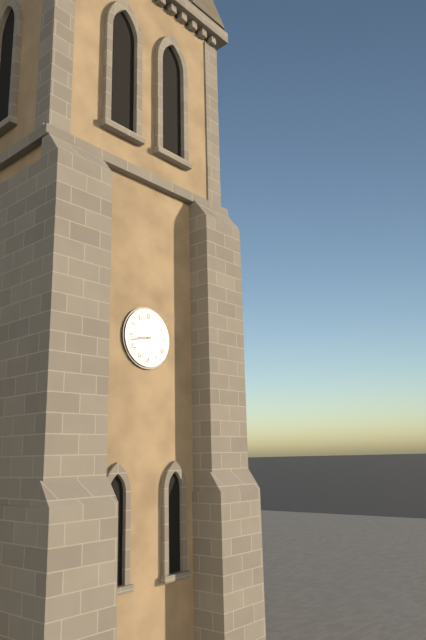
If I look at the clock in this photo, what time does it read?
8:43
